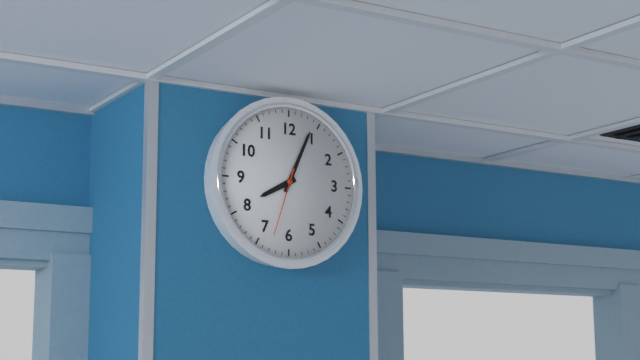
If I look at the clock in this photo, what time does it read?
8:04:33
